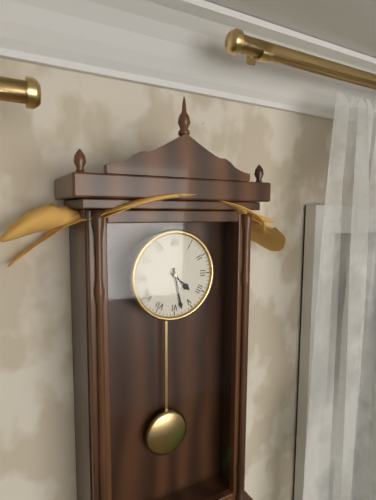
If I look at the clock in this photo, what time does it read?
4:28
